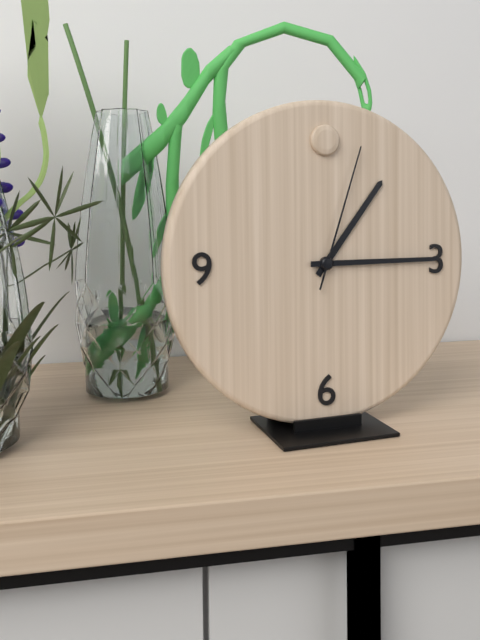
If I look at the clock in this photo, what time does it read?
1:15:03
